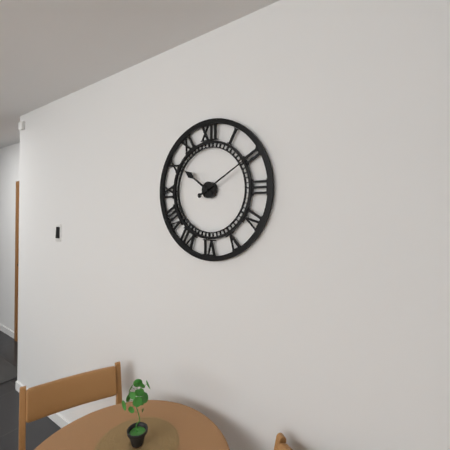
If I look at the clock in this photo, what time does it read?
10:10
